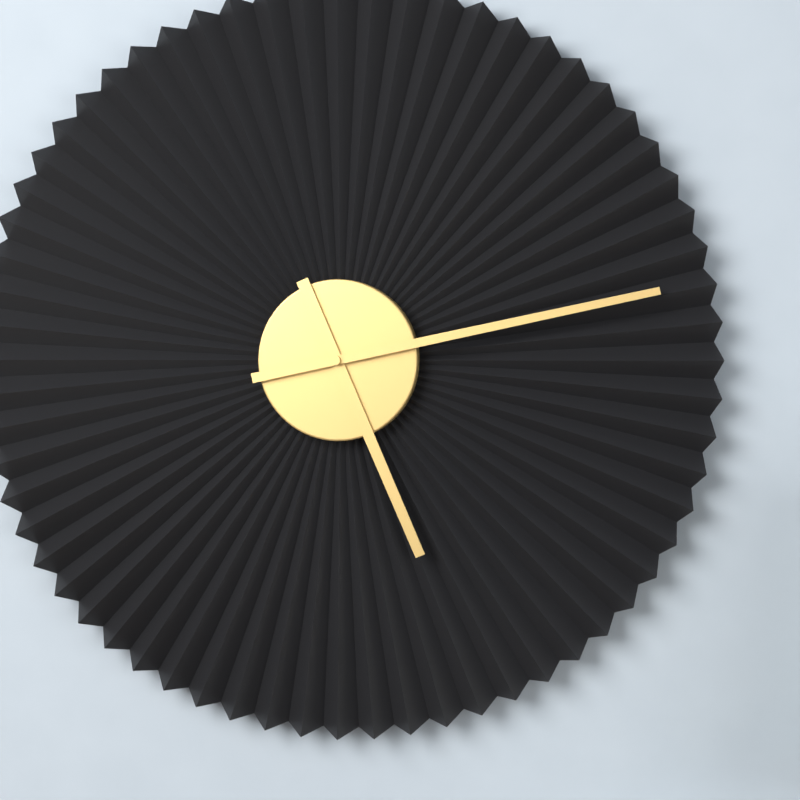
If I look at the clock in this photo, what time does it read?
5:13
